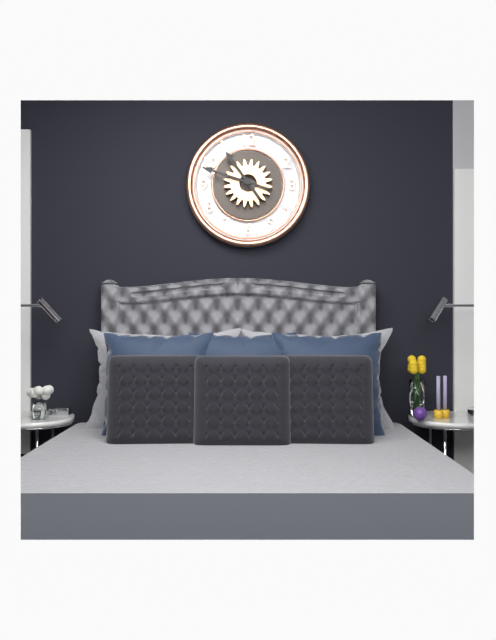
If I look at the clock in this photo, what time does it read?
10:48
